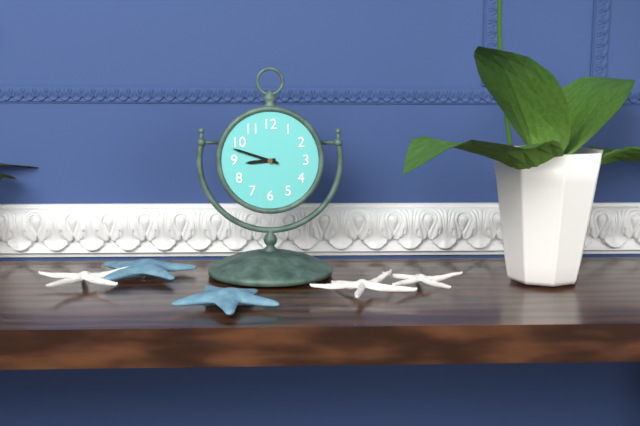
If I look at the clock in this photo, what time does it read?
8:48
